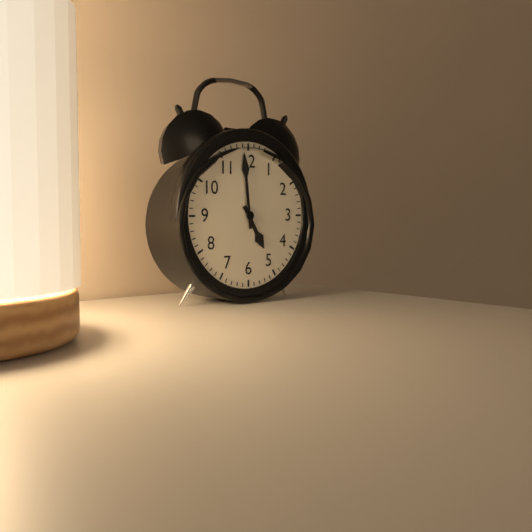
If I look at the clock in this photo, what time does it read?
4:59
